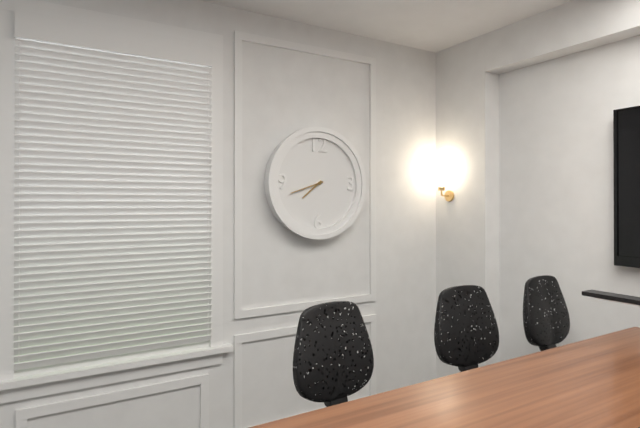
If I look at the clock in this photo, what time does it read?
7:42
